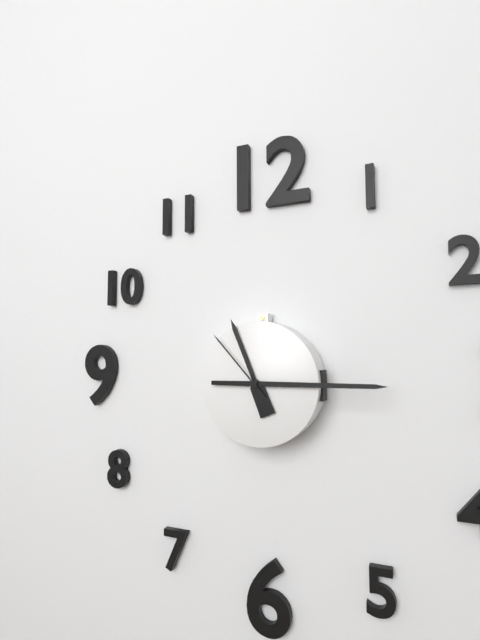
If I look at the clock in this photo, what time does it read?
11:15:53
